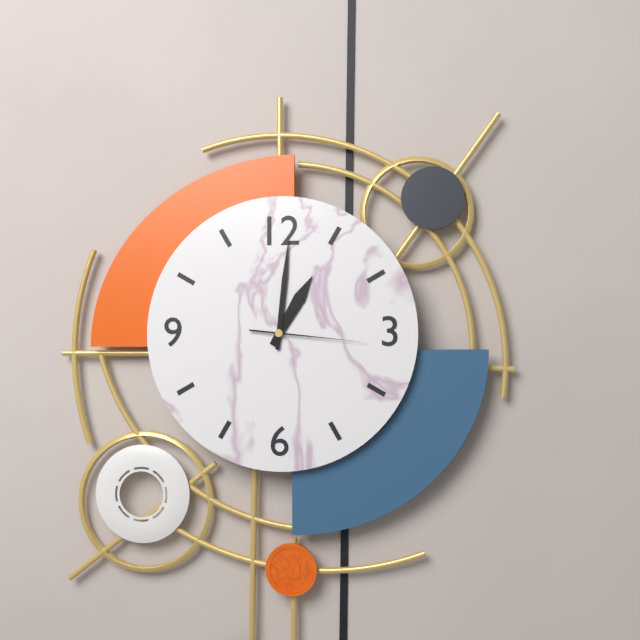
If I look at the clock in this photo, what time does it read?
1:01:16
